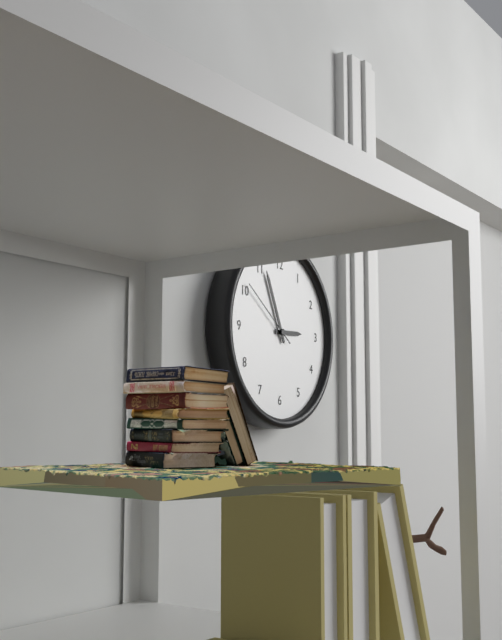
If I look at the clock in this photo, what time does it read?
2:56:51
